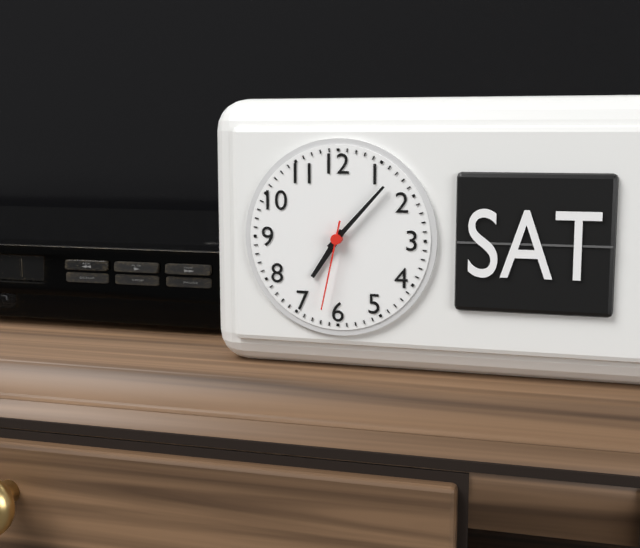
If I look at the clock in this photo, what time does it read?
7:07:32
